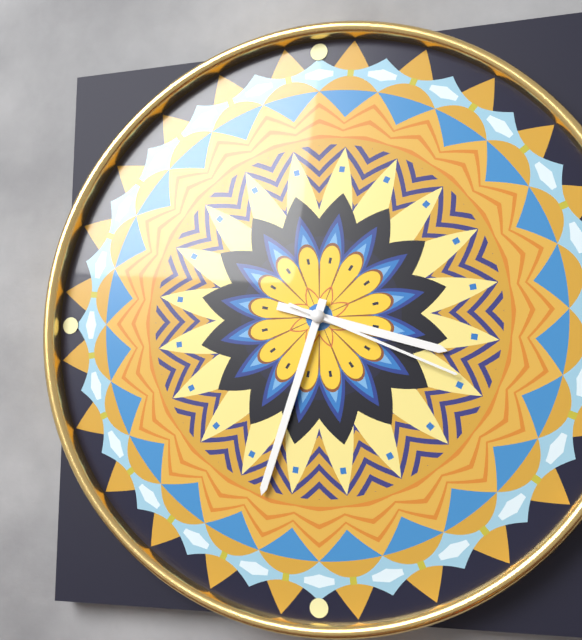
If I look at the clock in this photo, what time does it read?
3:33:19
